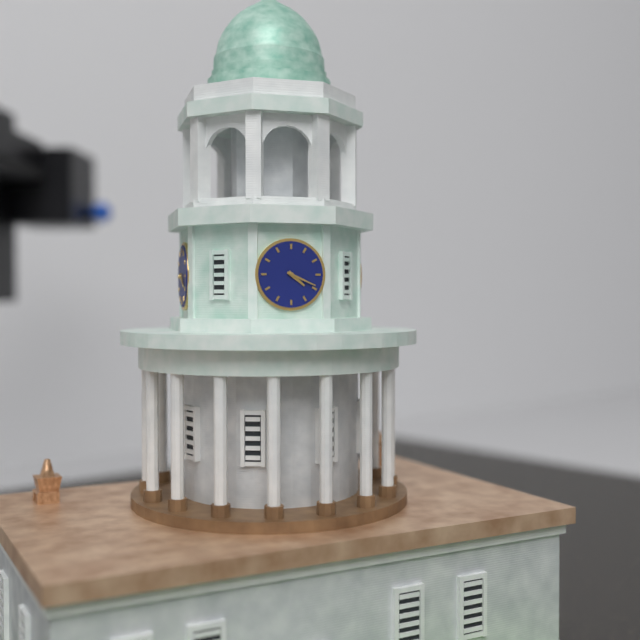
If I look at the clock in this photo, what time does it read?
4:19
